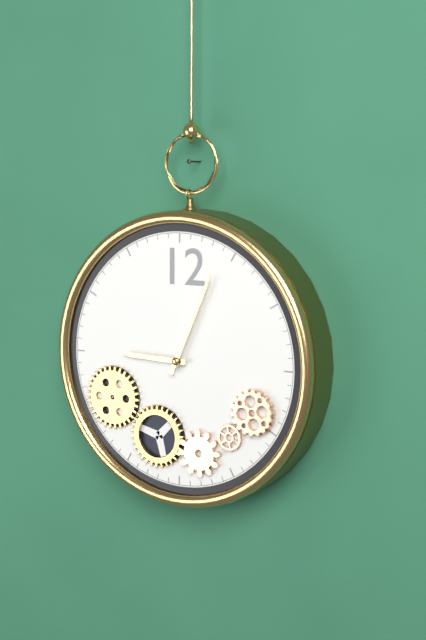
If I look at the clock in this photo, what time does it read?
9:04
